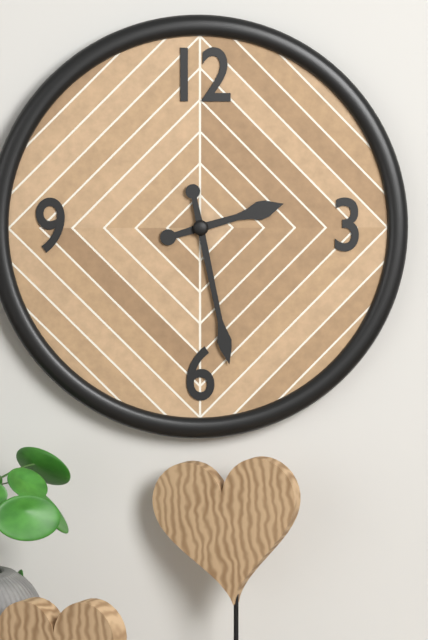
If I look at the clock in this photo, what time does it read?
2:28
